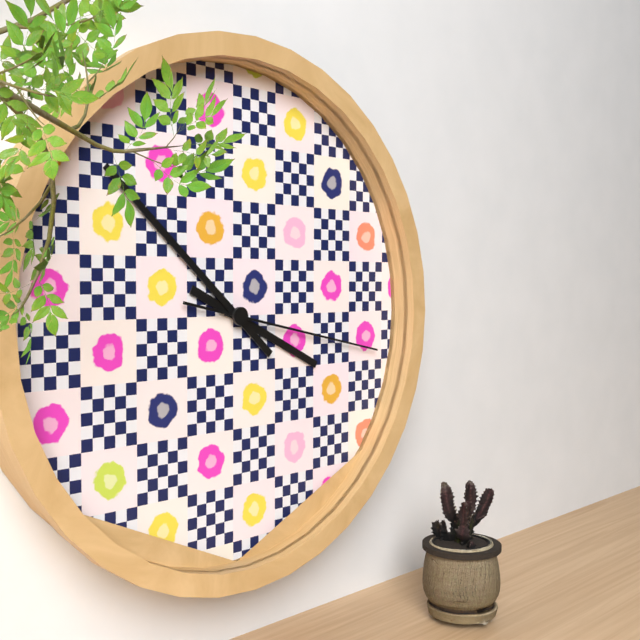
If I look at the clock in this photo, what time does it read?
3:52:17
